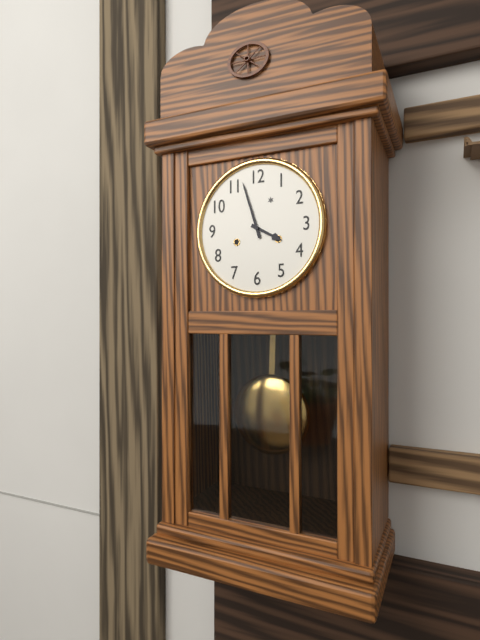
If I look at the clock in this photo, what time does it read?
3:57
